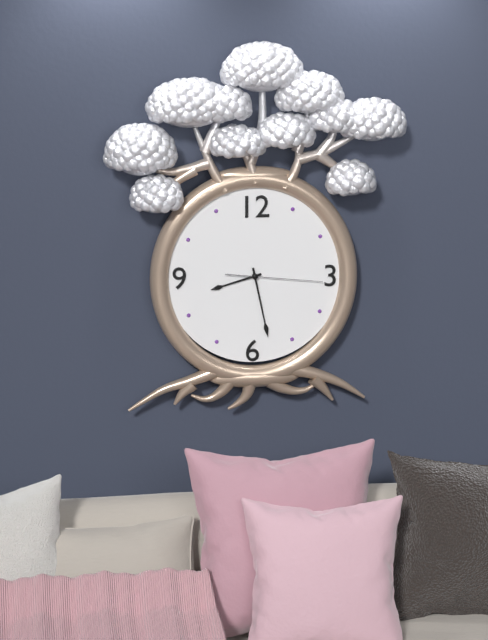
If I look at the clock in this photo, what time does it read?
8:28:16
